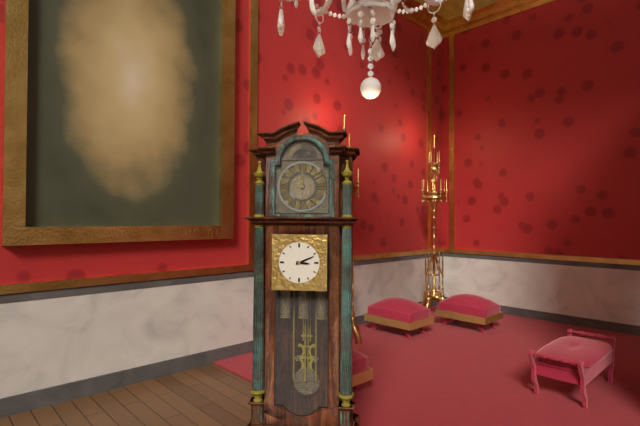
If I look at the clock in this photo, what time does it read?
3:11
